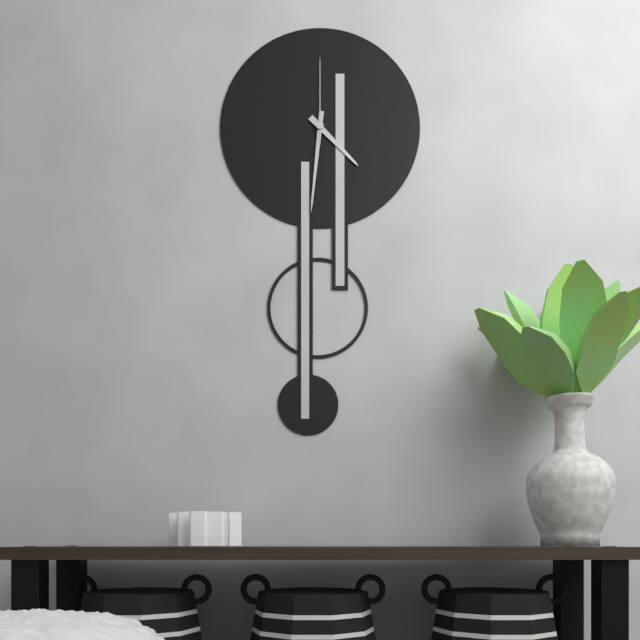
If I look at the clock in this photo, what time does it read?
4:31:00
